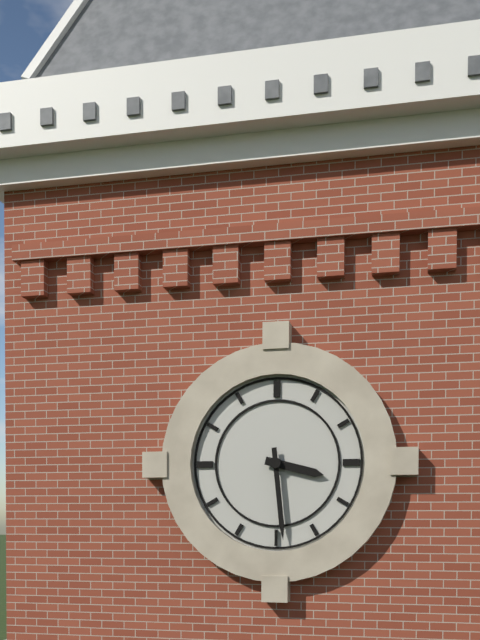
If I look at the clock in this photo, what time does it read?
3:29
